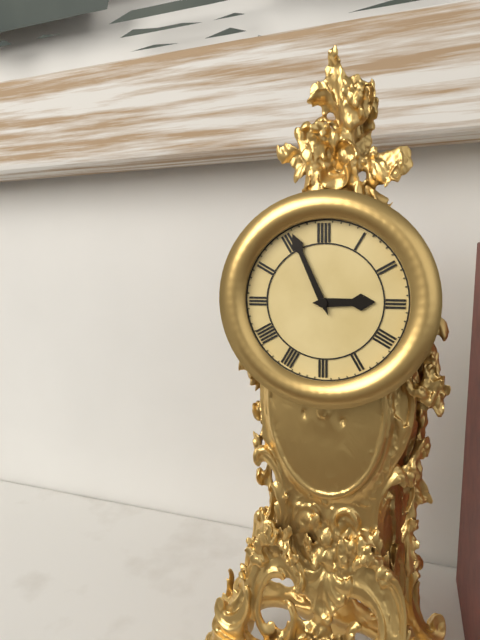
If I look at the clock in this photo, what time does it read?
2:56
